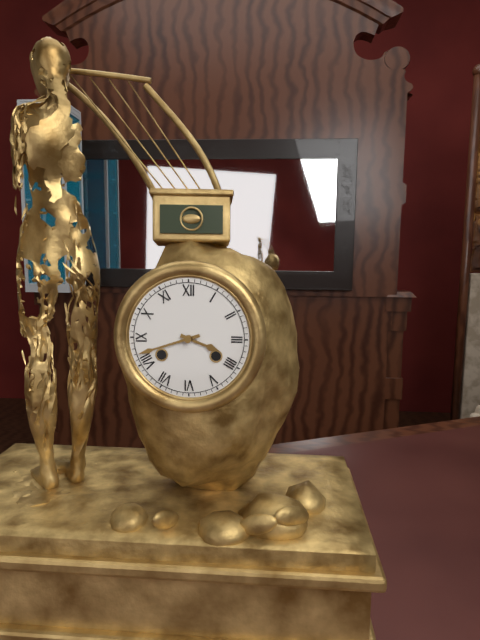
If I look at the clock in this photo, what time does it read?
3:42
